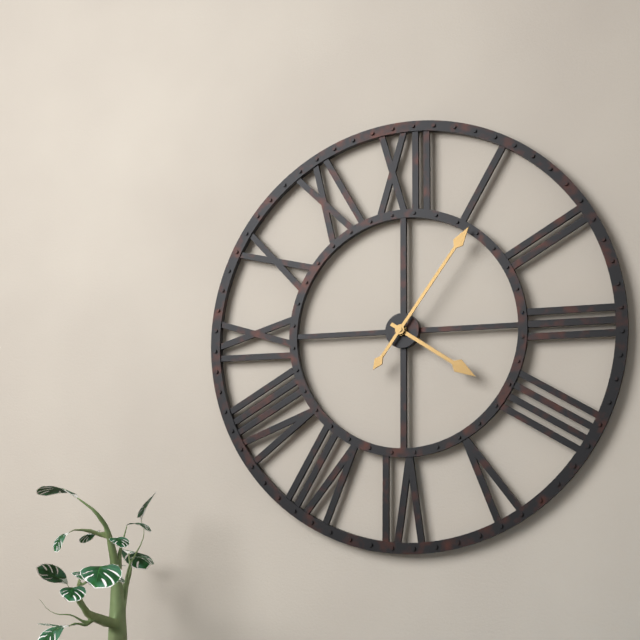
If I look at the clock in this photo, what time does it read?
4:06
